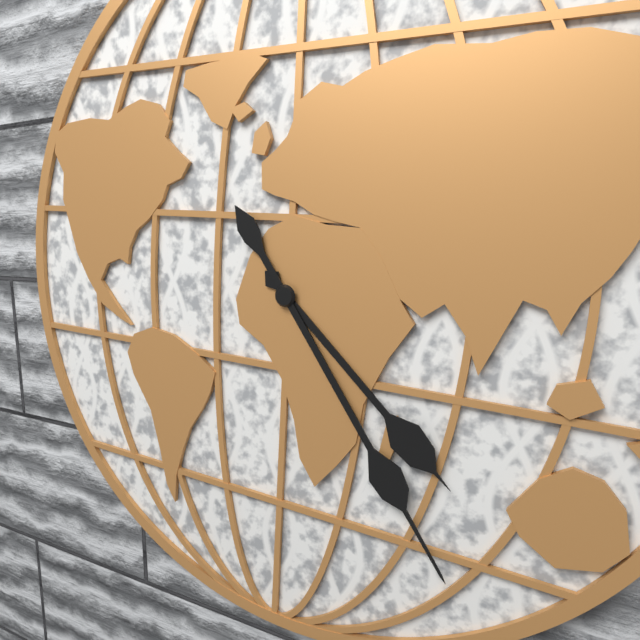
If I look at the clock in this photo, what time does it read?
4:24
